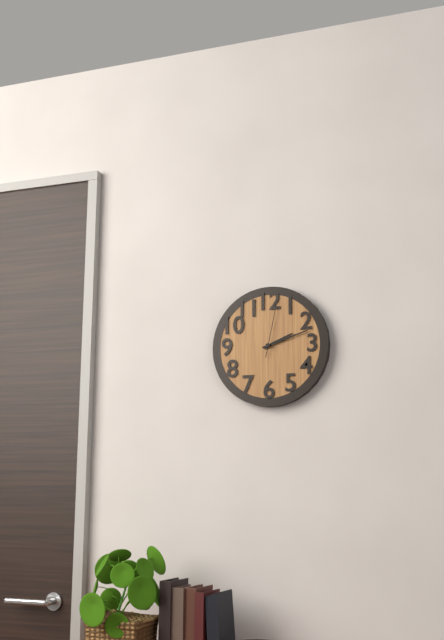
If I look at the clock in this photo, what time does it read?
2:12:02
